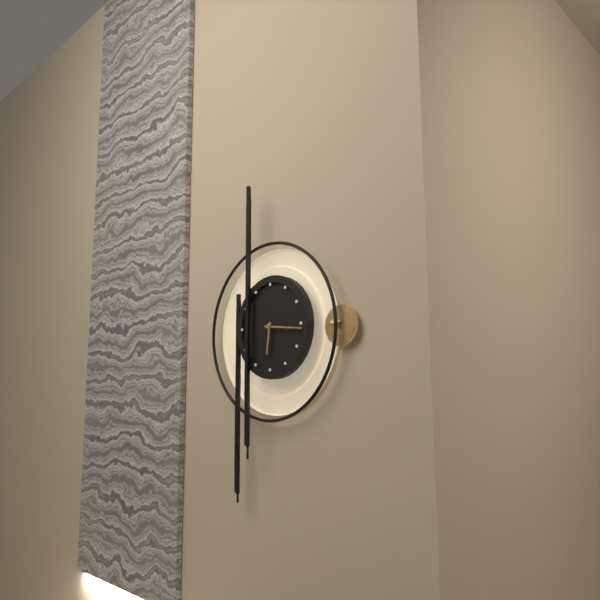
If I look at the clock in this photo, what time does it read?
6:16
